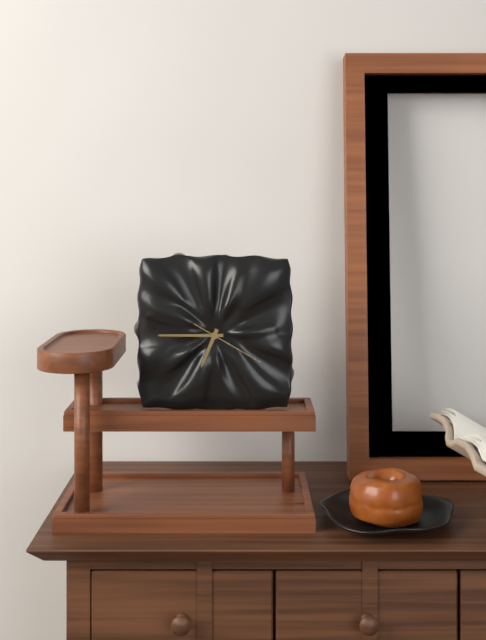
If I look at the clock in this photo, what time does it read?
6:45:20
